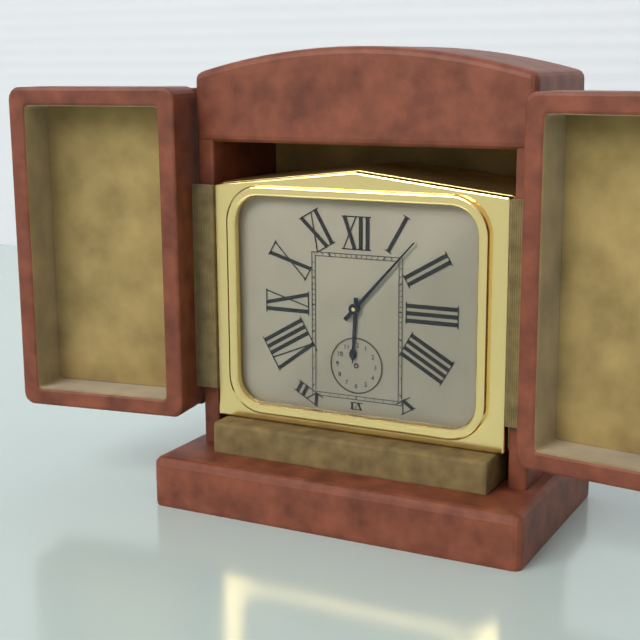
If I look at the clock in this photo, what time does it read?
6:07
